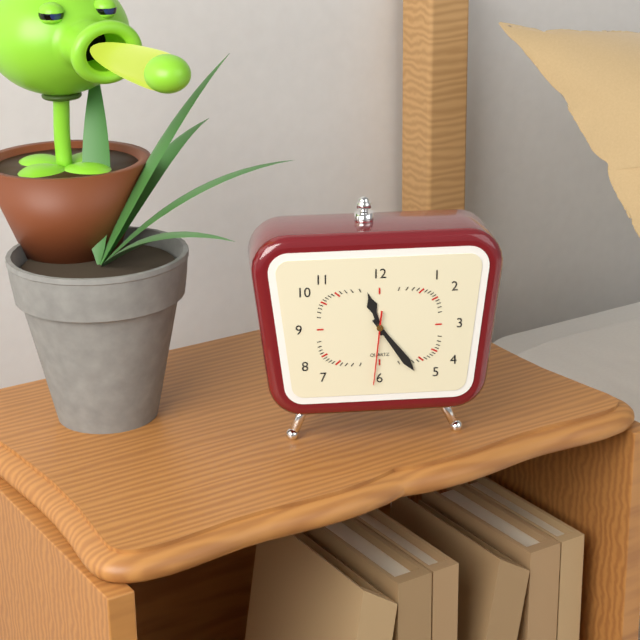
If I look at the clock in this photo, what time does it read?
11:24:31
